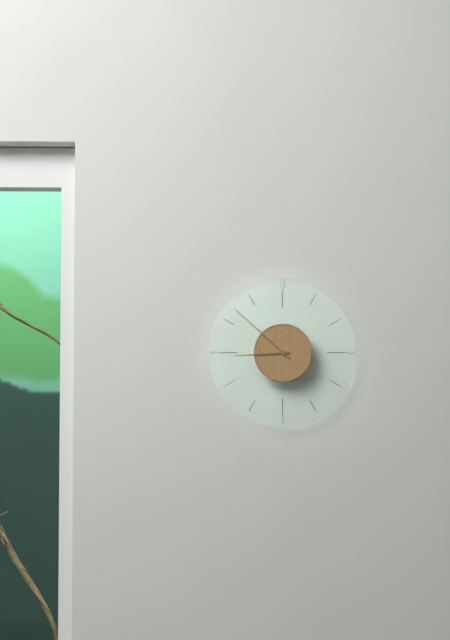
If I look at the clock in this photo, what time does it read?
8:52
